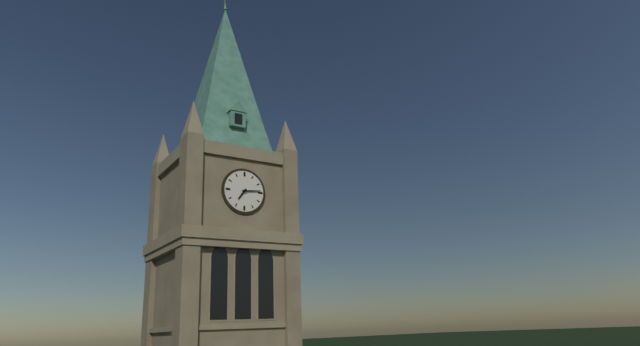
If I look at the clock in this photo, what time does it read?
7:14
